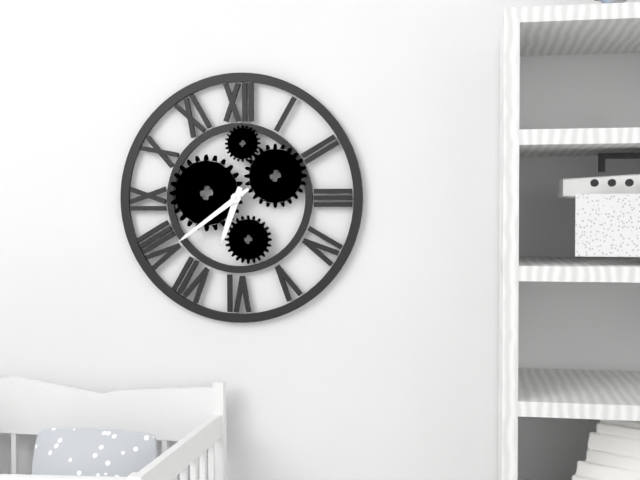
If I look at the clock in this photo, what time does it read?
6:39
